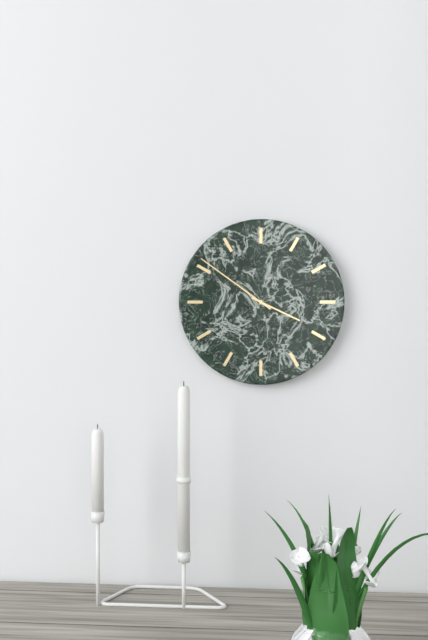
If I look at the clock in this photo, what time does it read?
3:51
